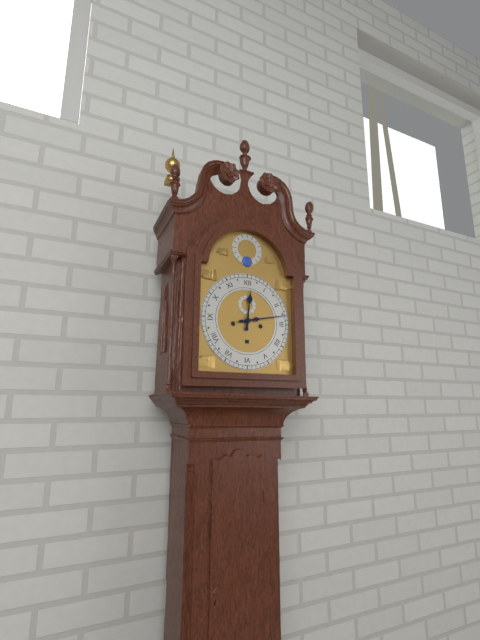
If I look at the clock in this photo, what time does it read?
12:13
